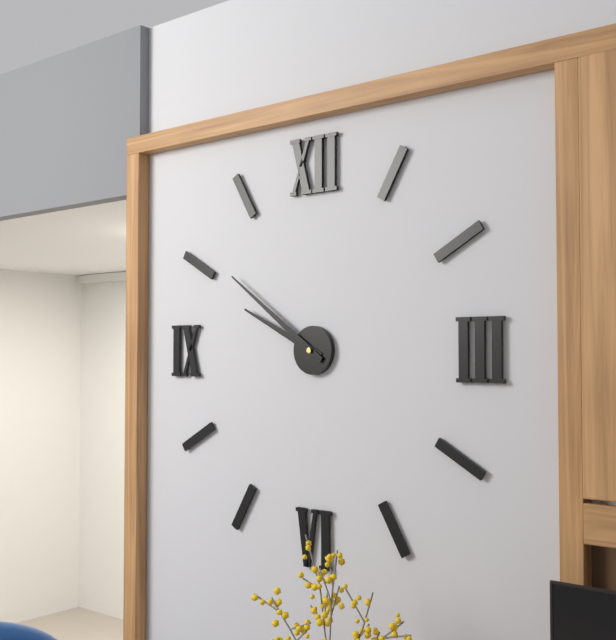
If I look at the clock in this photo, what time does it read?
9:51
